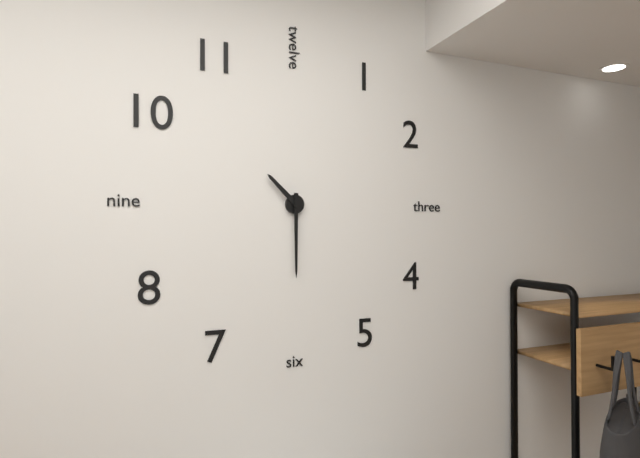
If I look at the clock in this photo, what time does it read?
10:30
